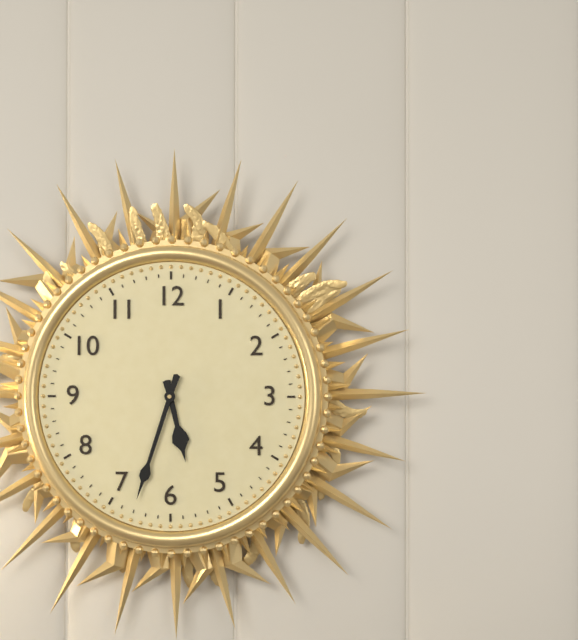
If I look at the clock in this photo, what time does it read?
5:33
